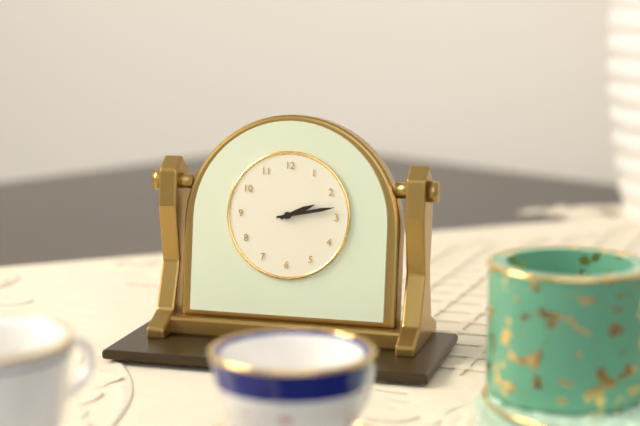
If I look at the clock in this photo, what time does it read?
2:13
